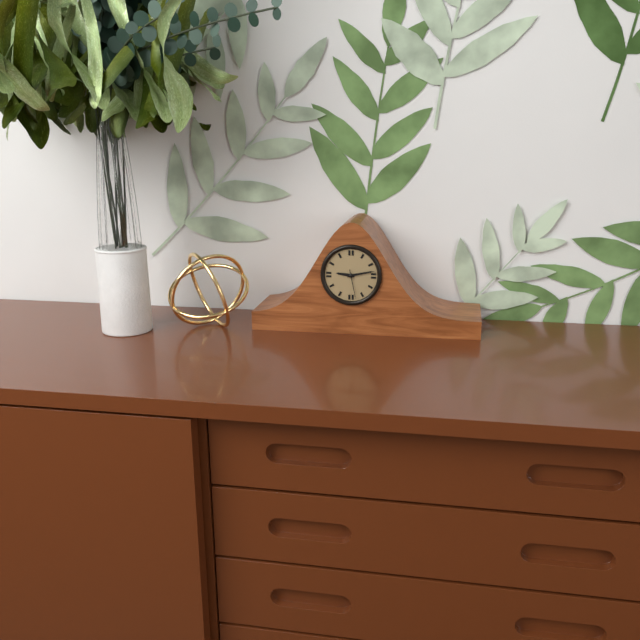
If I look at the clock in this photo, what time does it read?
9:13
